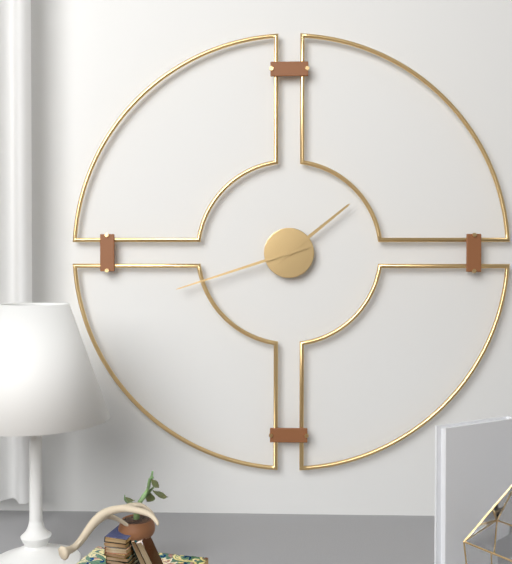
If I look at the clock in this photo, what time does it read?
1:42
